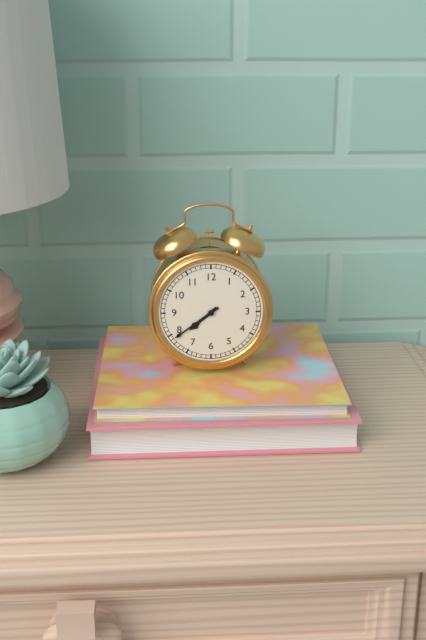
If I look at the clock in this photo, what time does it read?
7:39
